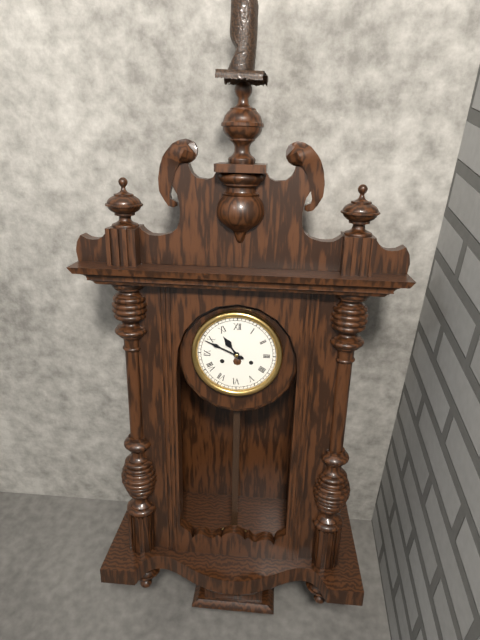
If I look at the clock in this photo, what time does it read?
10:49
